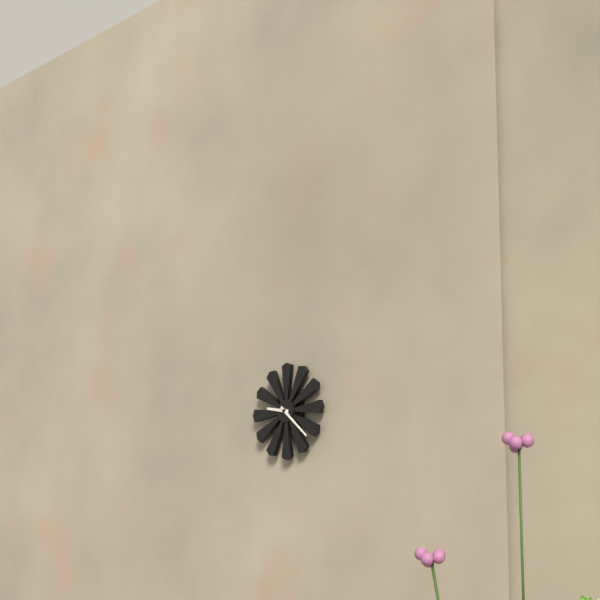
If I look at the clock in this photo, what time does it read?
9:22
